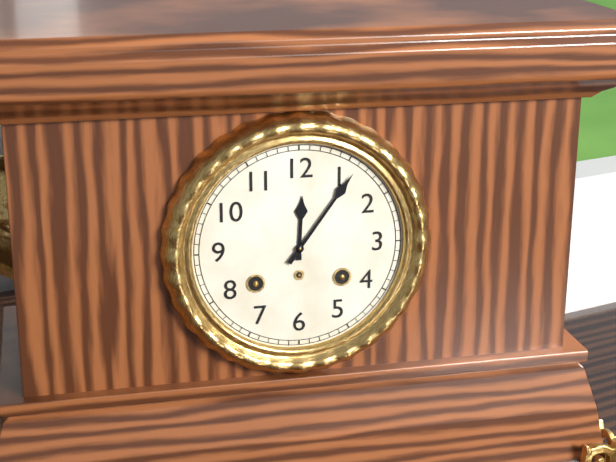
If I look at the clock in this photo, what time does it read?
12:06
